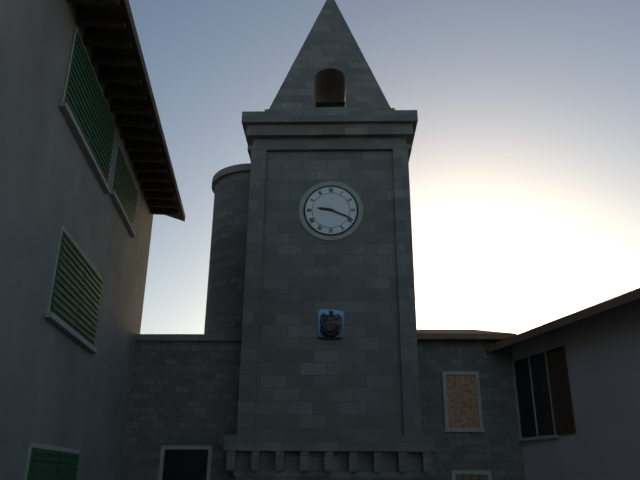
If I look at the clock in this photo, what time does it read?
9:19
